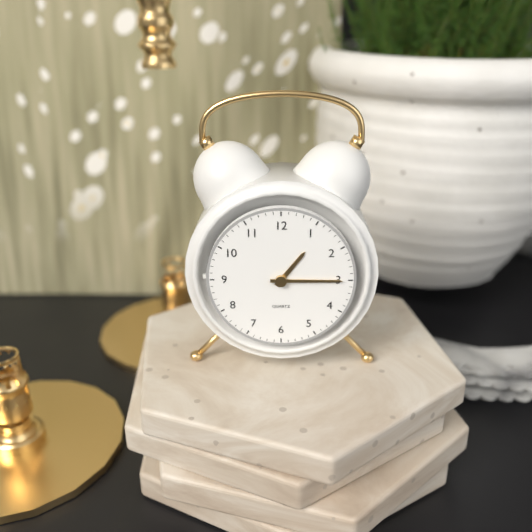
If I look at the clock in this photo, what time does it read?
1:15
